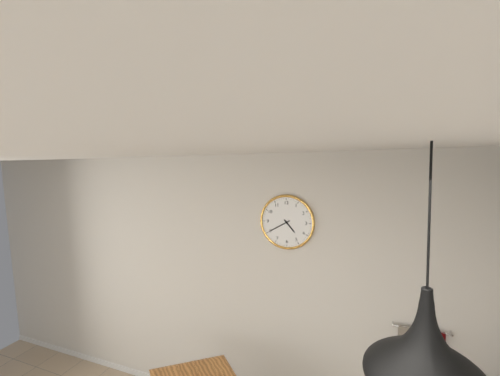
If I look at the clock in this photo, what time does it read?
4:40
